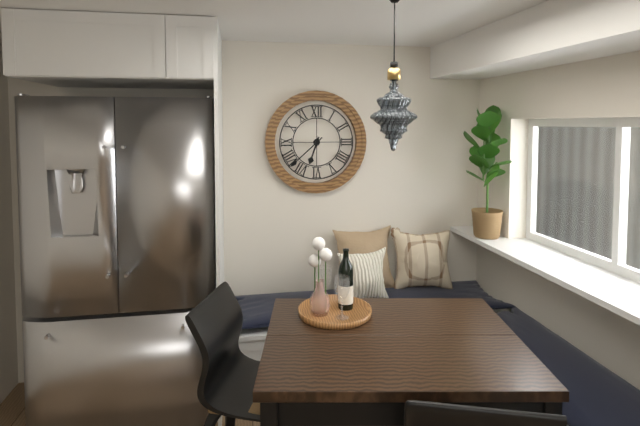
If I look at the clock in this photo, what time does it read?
6:38
